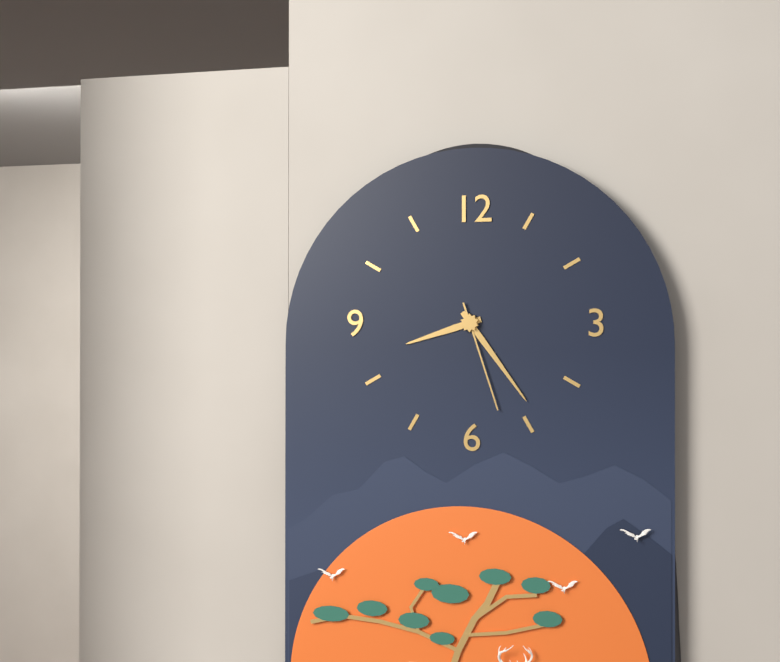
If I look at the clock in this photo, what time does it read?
8:24:27
